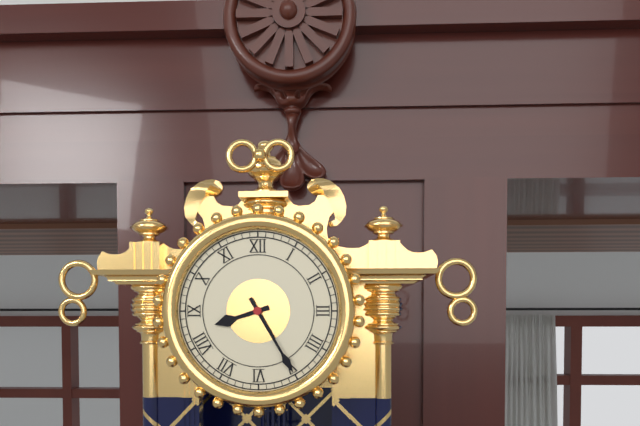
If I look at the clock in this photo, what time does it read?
8:25
